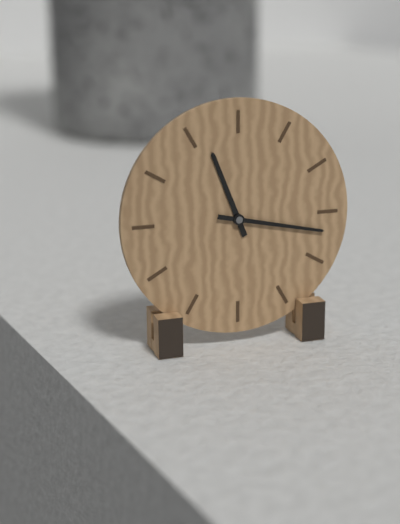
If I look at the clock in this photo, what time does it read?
11:17
